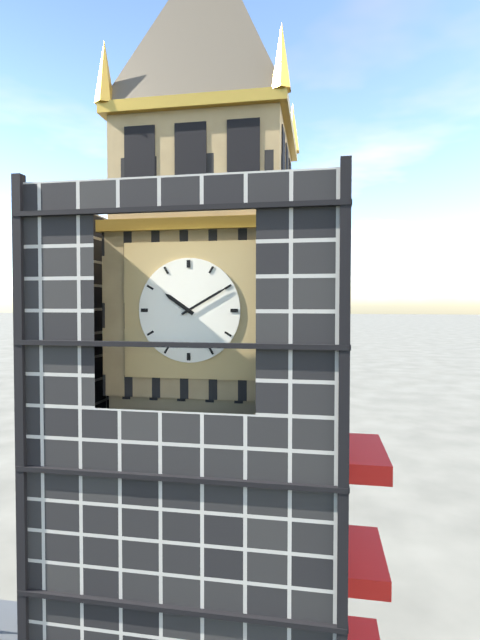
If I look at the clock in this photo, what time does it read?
10:10
